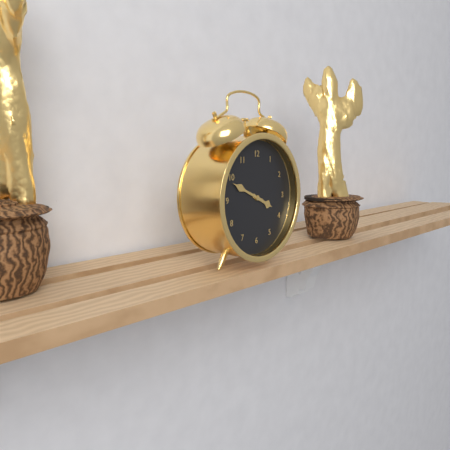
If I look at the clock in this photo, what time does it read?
3:49
